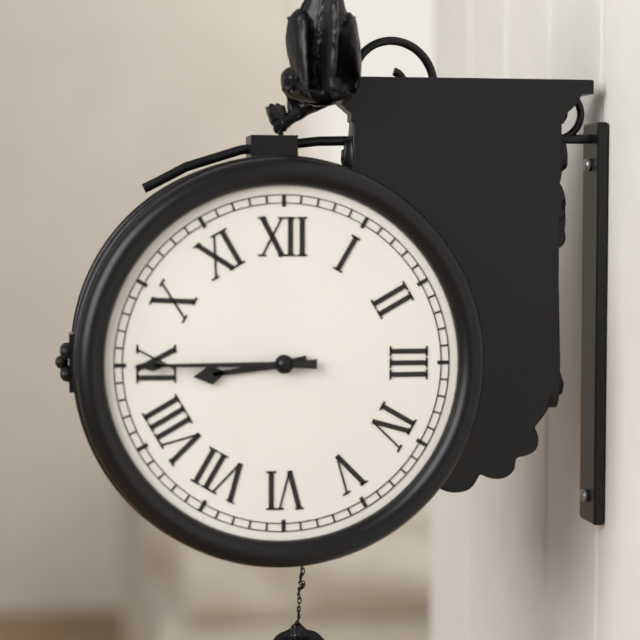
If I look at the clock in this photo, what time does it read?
8:45
